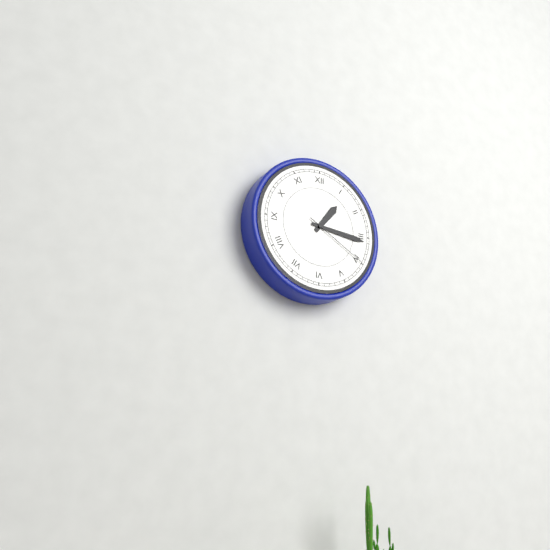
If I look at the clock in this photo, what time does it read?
1:16:20
